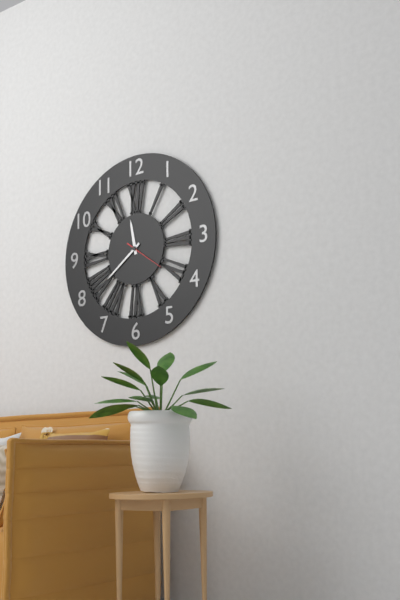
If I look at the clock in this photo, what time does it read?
11:39
